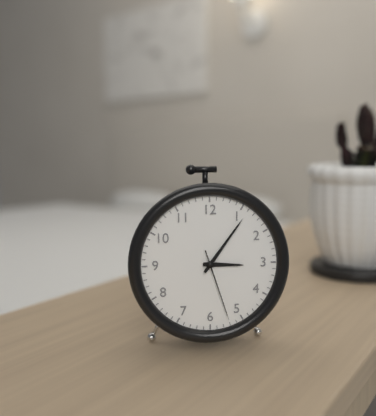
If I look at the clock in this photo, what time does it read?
3:06:27
